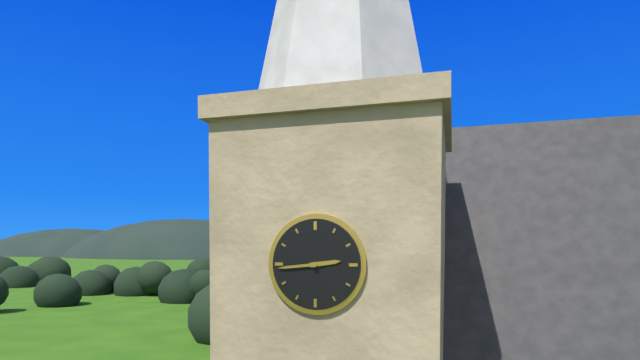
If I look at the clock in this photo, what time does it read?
2:44
